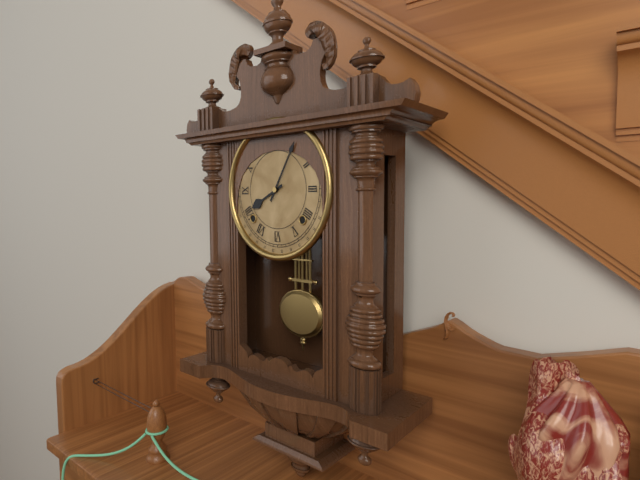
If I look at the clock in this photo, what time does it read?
8:05
